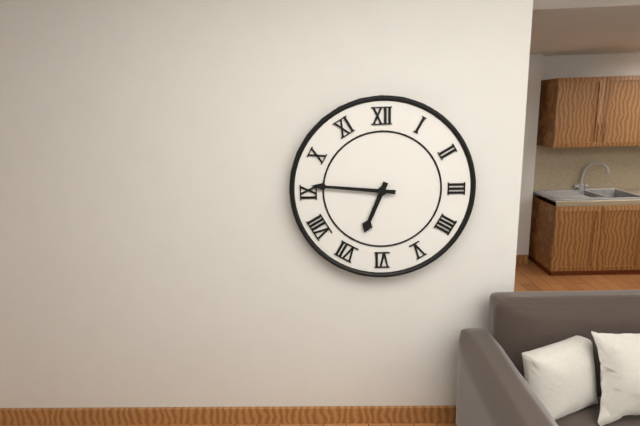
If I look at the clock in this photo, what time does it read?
6:46
